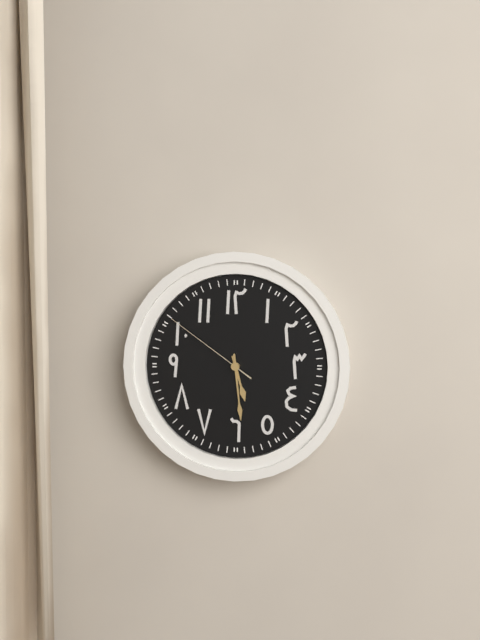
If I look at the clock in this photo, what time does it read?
5:29:51
